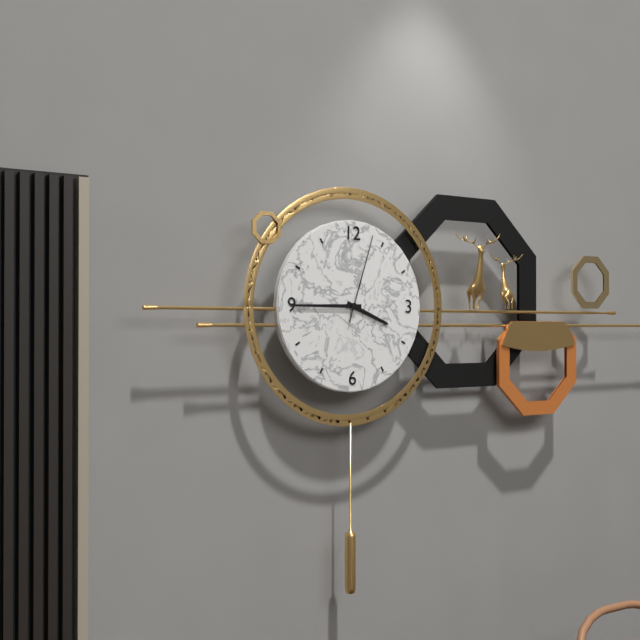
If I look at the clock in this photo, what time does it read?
3:45:03
